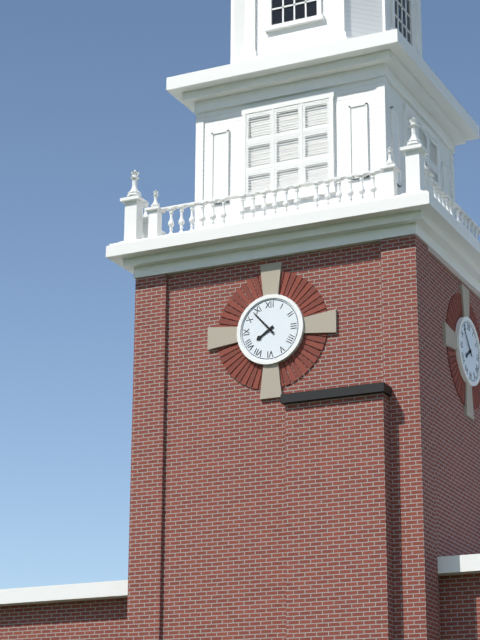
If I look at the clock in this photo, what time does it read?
7:53
